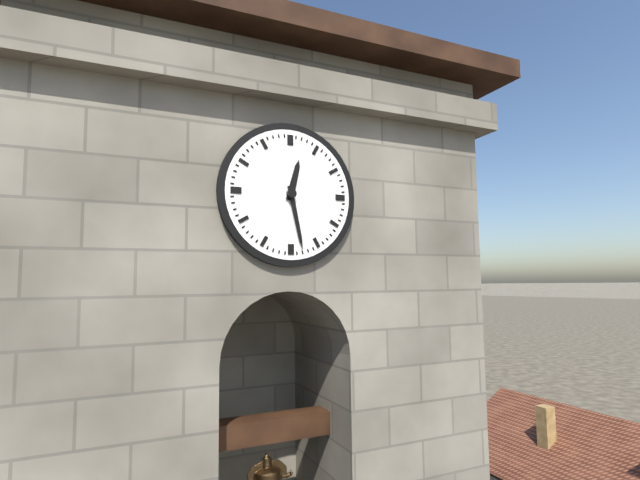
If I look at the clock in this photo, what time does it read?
12:28
